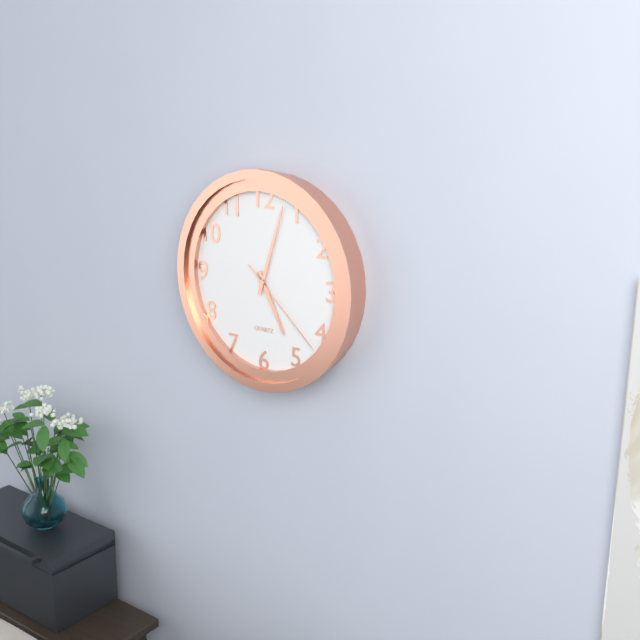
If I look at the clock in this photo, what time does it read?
5:03:22
